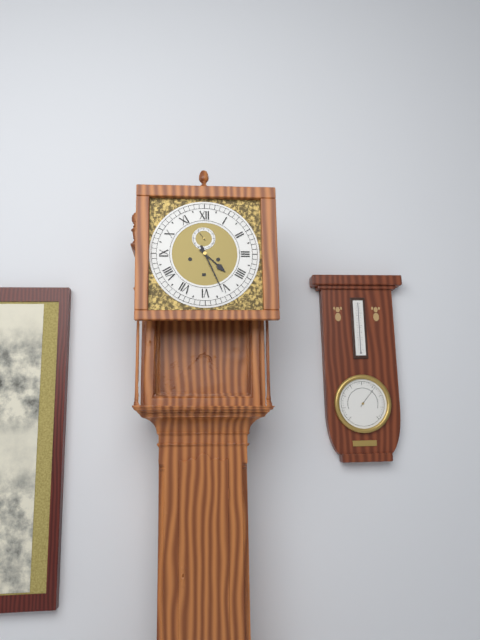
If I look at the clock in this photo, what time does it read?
4:26
